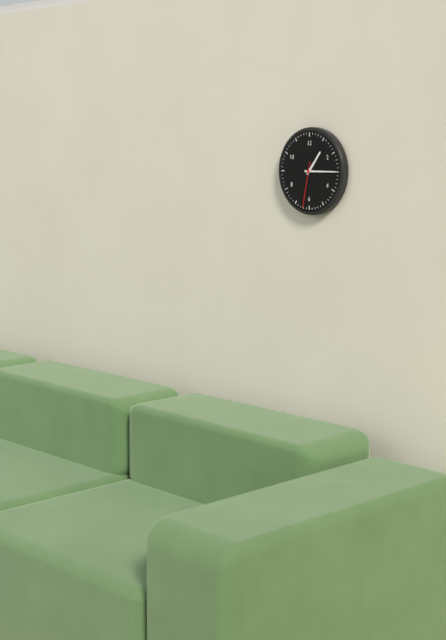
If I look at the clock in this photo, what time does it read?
1:15
